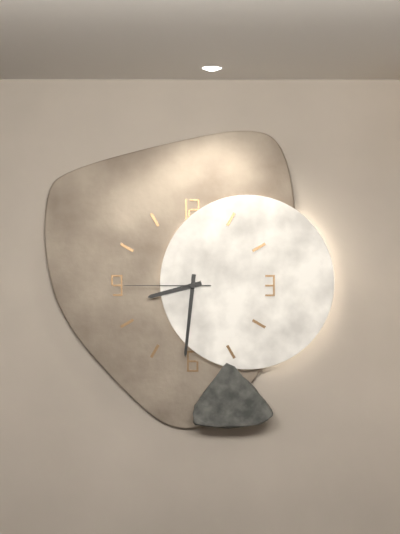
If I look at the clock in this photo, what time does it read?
8:31:45
